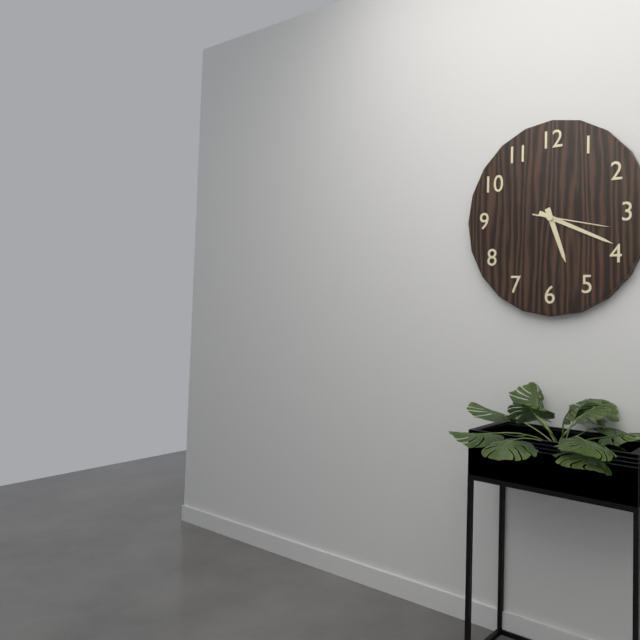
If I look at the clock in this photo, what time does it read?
5:19:17
